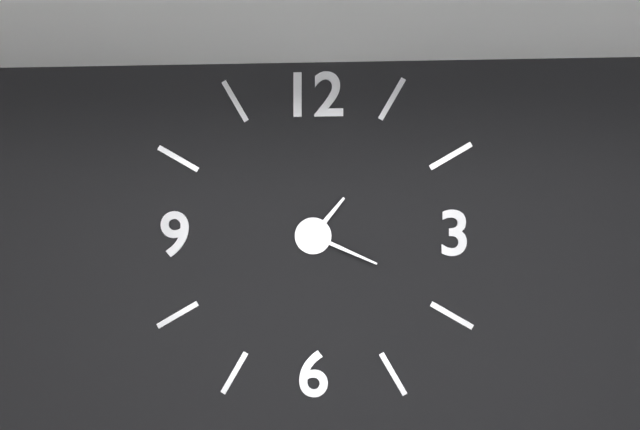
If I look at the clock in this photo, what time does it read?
1:19
